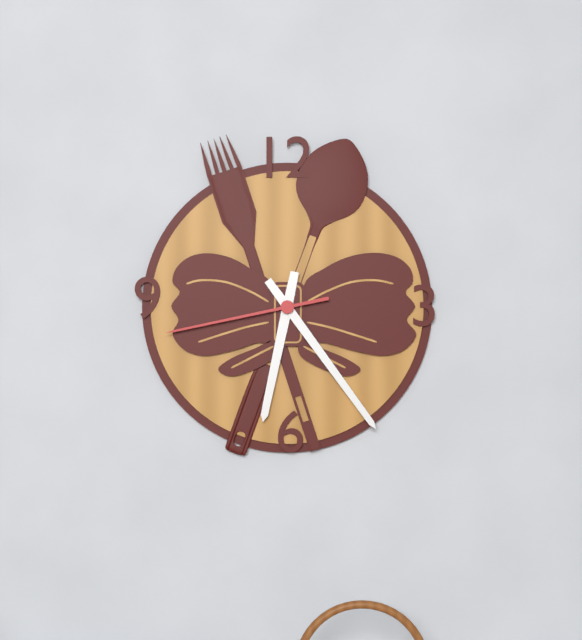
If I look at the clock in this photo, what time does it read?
6:24:43
